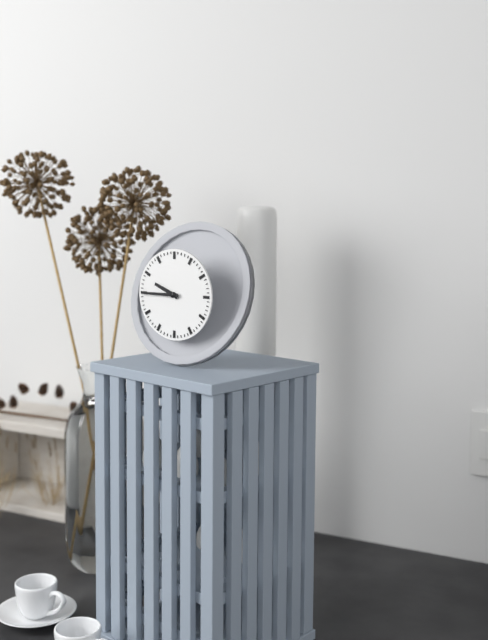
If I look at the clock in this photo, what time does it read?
9:45
